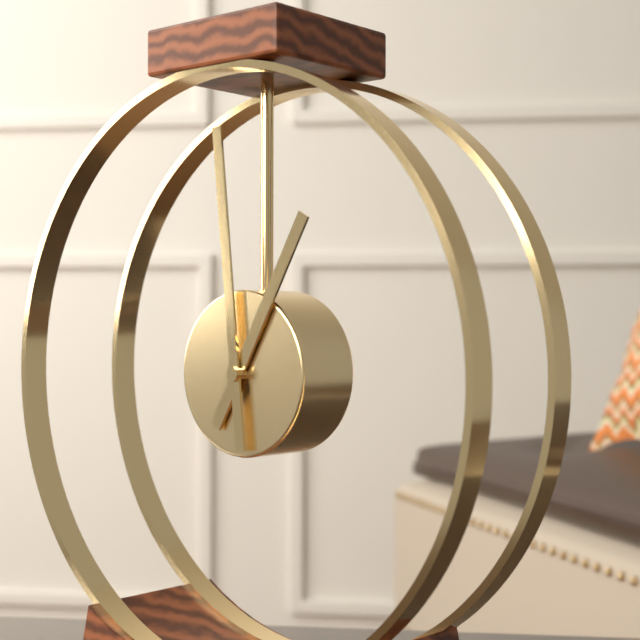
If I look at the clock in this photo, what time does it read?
12:59
